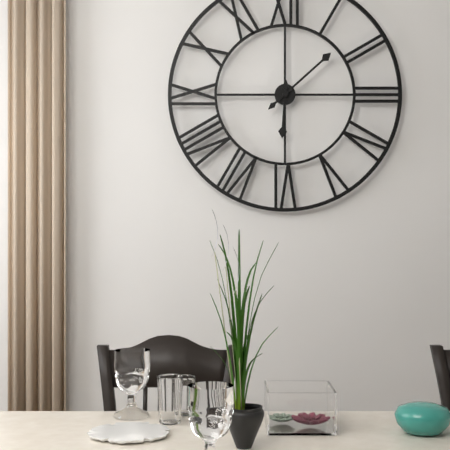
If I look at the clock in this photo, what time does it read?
6:08
